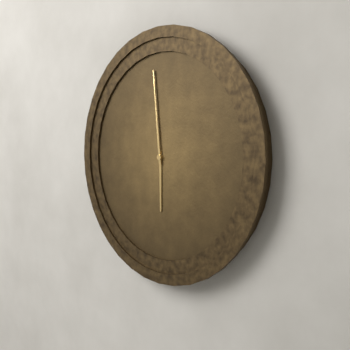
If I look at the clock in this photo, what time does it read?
5:59
